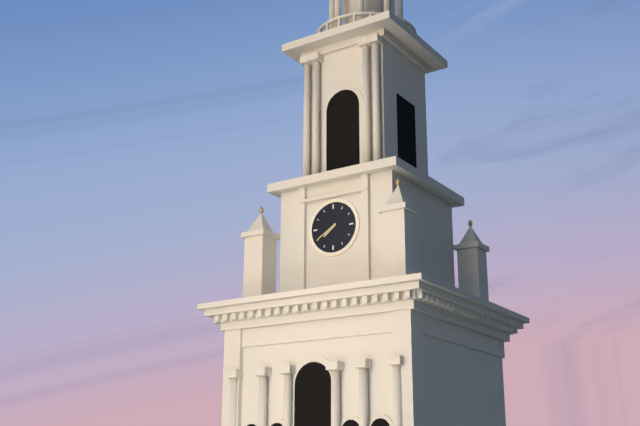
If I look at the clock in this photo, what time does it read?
7:40
